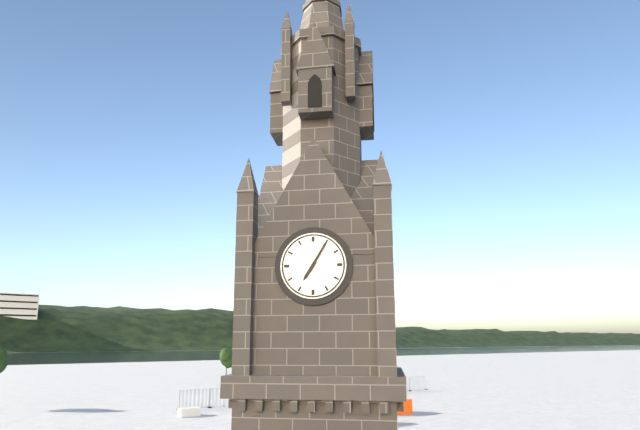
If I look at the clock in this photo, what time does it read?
7:05
